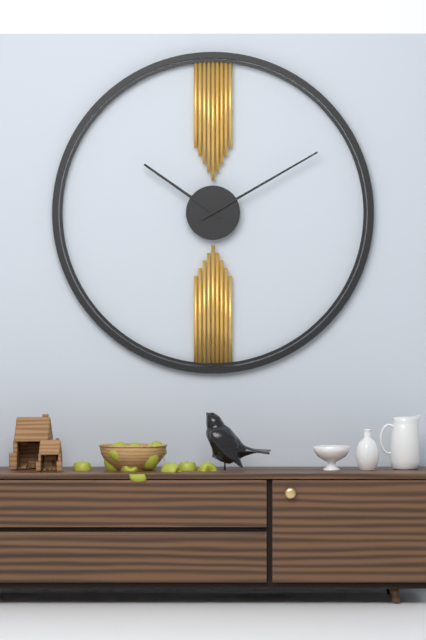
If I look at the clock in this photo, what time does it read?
10:10
